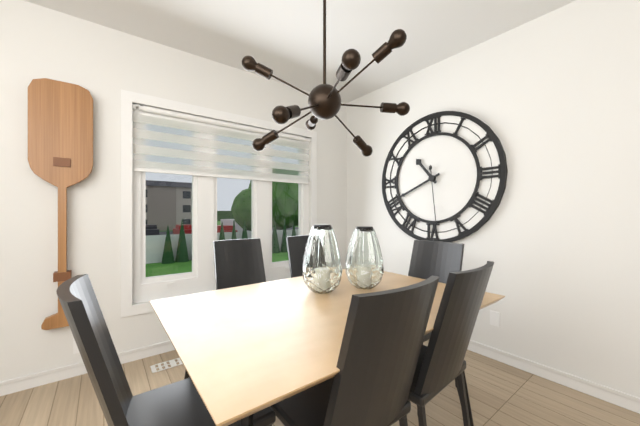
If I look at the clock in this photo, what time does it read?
10:41:29
